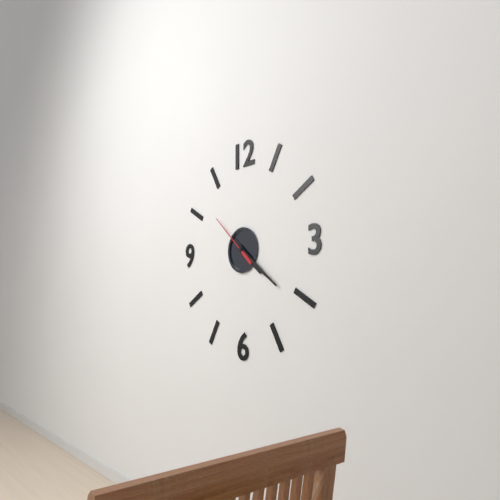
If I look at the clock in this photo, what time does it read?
4:21:52
